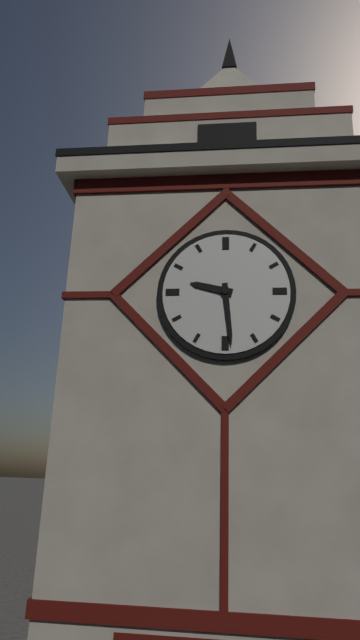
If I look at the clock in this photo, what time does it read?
9:29
